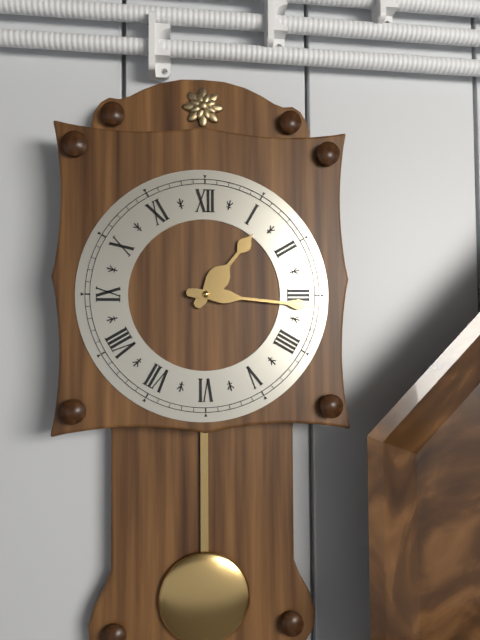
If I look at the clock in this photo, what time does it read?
1:16
